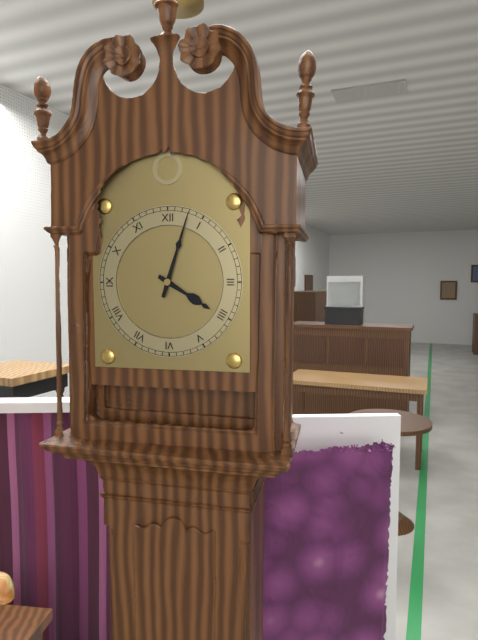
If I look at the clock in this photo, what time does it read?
4:03
